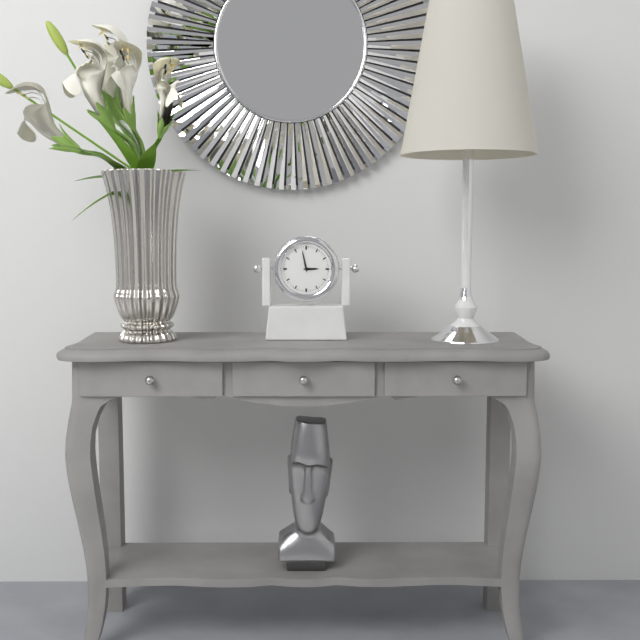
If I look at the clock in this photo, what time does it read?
2:58
